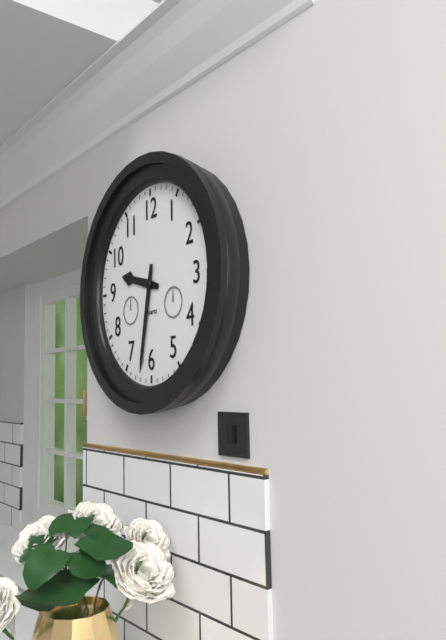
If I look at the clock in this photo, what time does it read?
9:32
